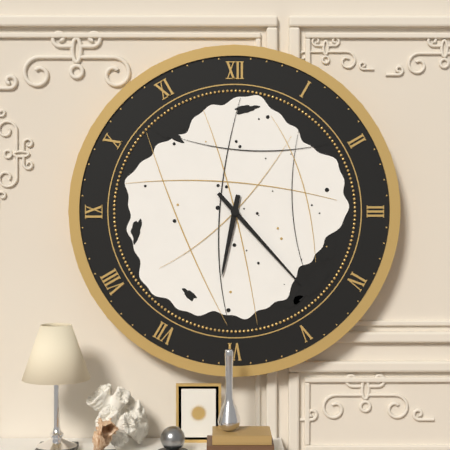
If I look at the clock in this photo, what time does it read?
6:23
